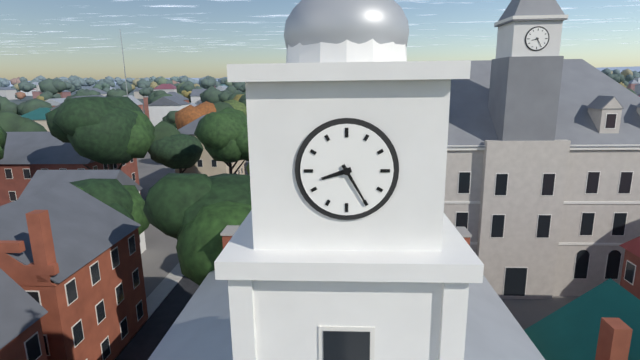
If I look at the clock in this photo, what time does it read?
8:25
